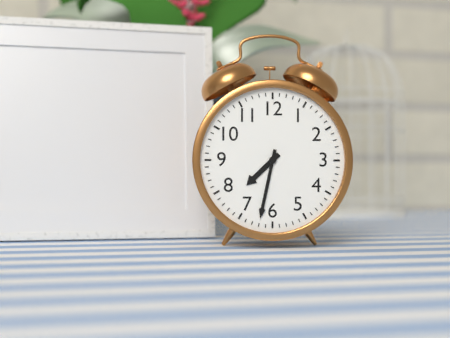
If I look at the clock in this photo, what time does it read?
7:32
